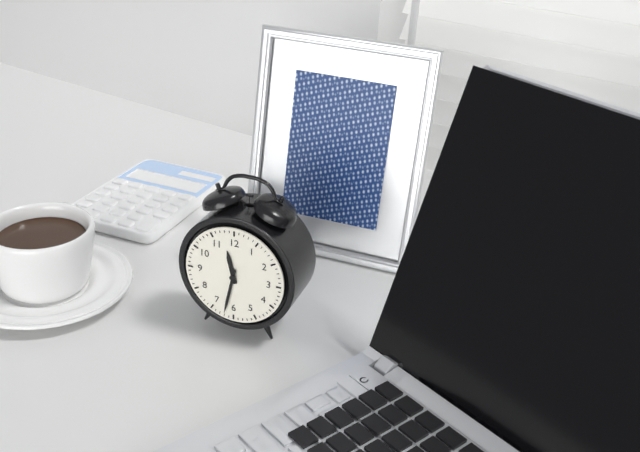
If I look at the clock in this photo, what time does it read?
11:32
